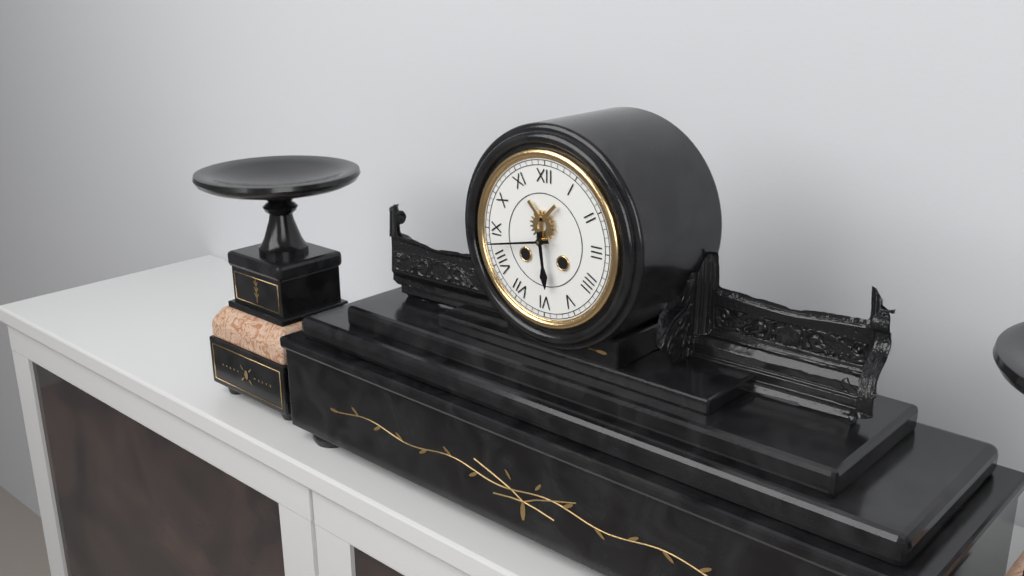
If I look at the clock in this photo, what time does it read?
5:43
